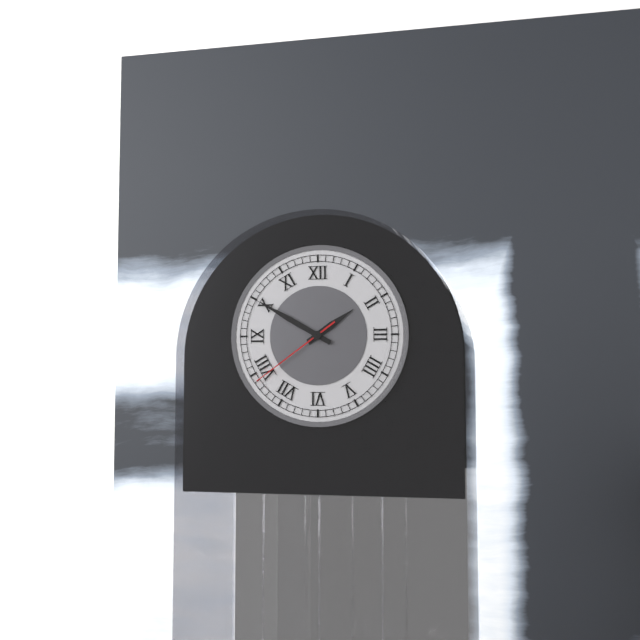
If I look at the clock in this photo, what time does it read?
1:50:39
